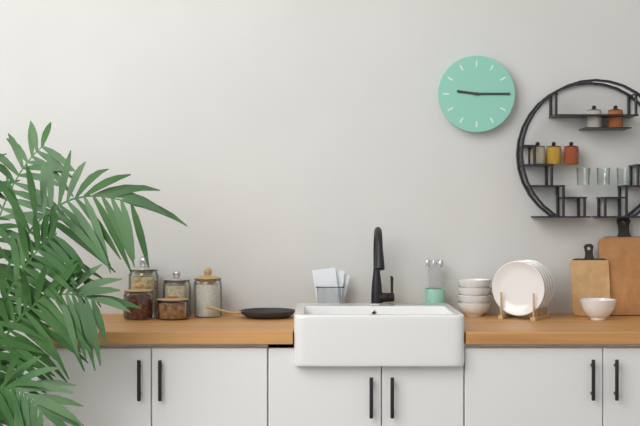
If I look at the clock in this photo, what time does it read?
9:15
